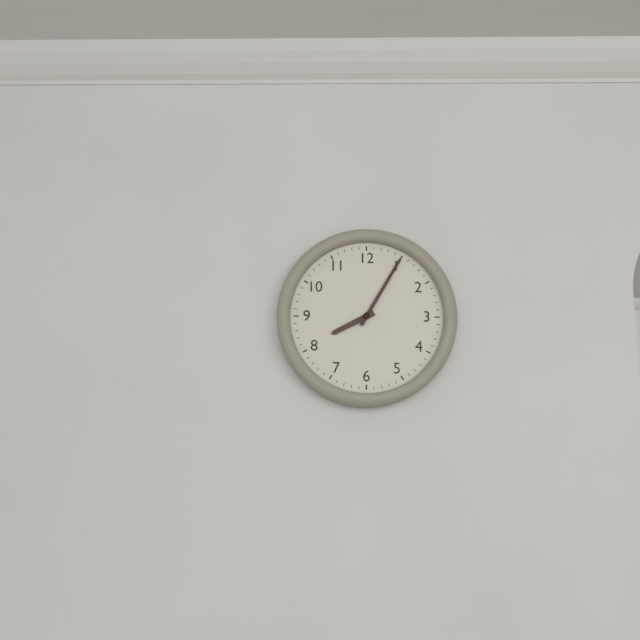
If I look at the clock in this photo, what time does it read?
8:05
